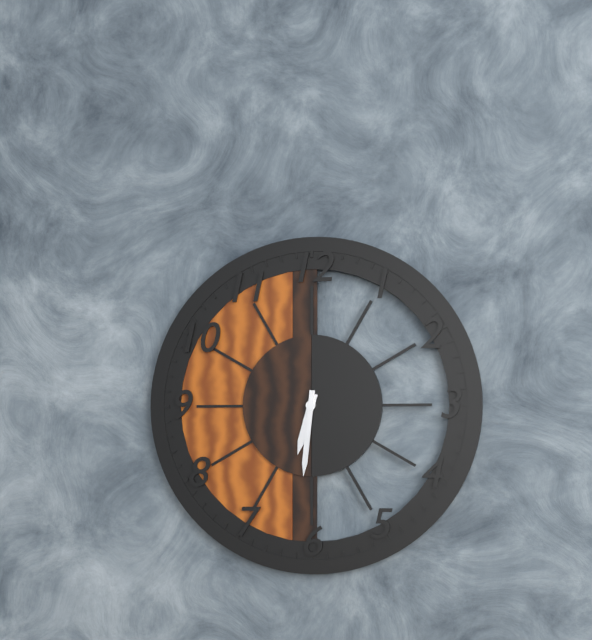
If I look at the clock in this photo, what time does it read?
6:31
